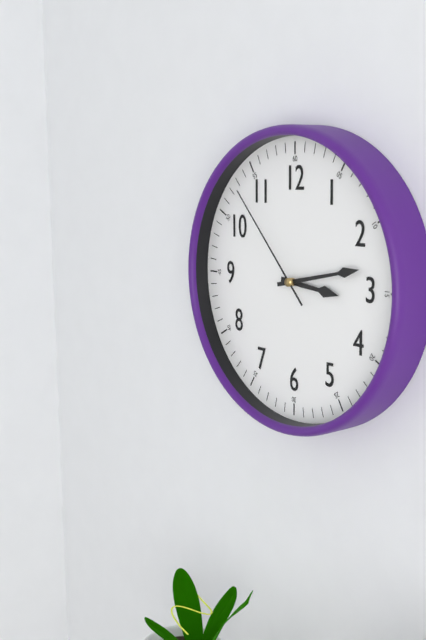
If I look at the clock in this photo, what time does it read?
3:13:53
